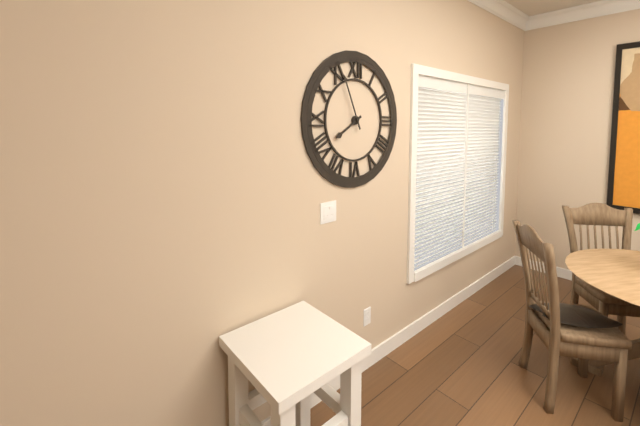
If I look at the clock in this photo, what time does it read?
7:56
